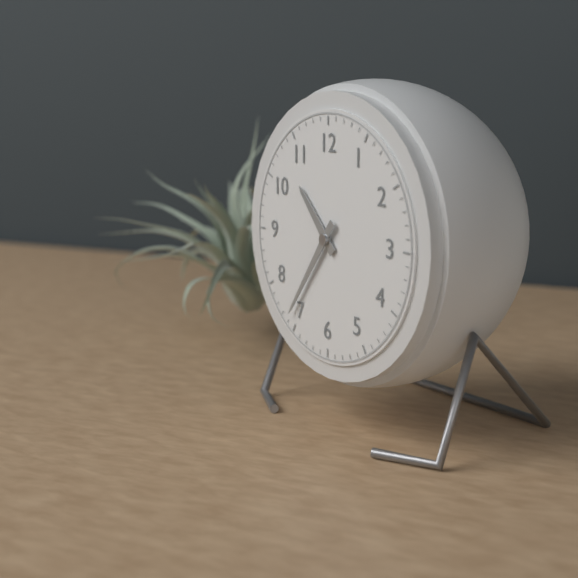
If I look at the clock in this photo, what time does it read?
10:36
